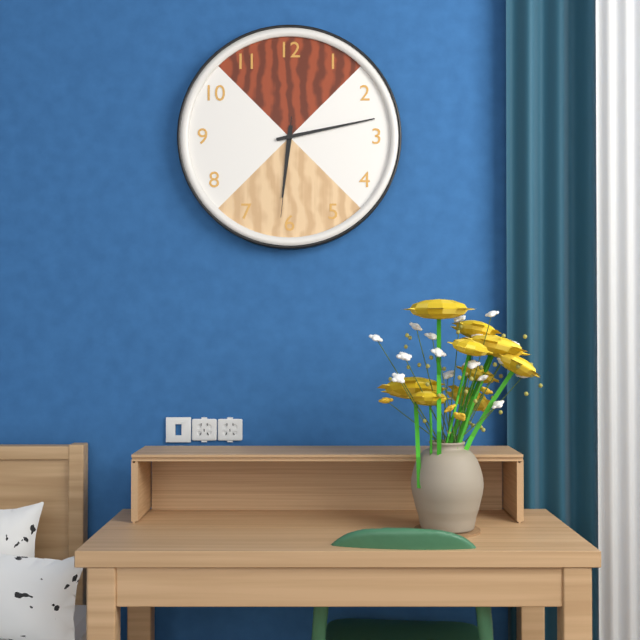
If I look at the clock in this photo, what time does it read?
6:13:31
